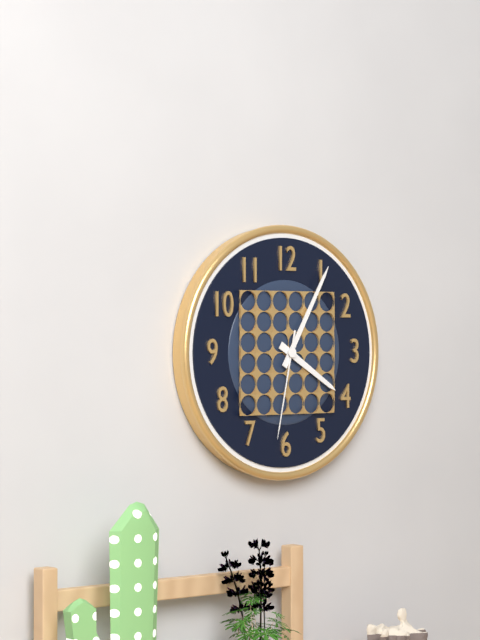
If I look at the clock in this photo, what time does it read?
4:05:32
